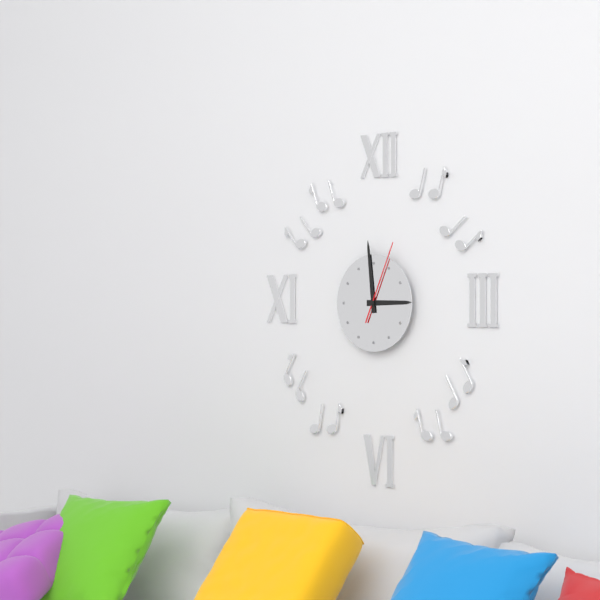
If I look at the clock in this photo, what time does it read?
2:59:04
